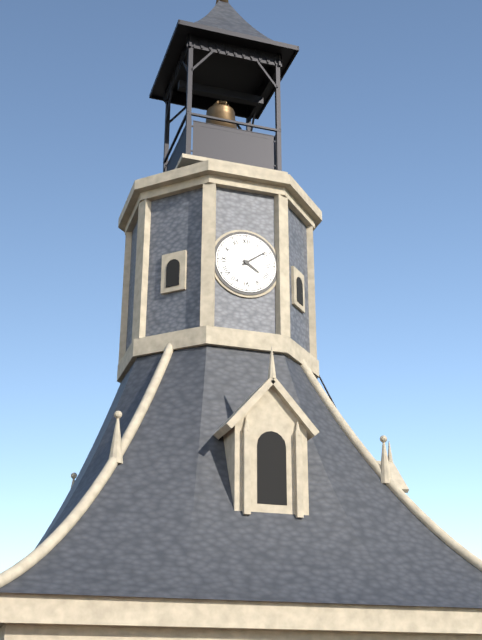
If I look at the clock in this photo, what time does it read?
4:09
